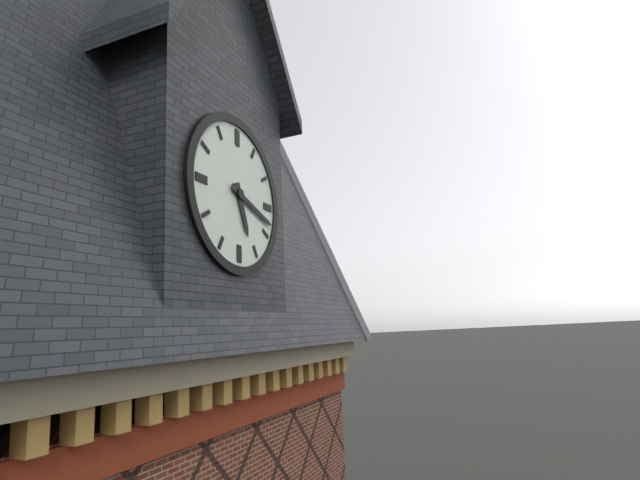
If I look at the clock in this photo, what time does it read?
5:18
